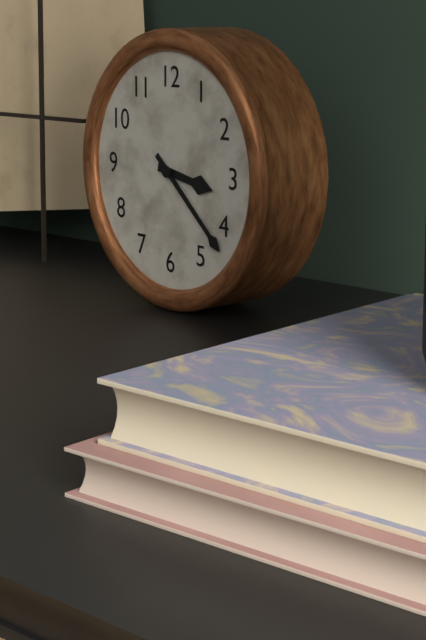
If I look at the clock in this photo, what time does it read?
3:22
